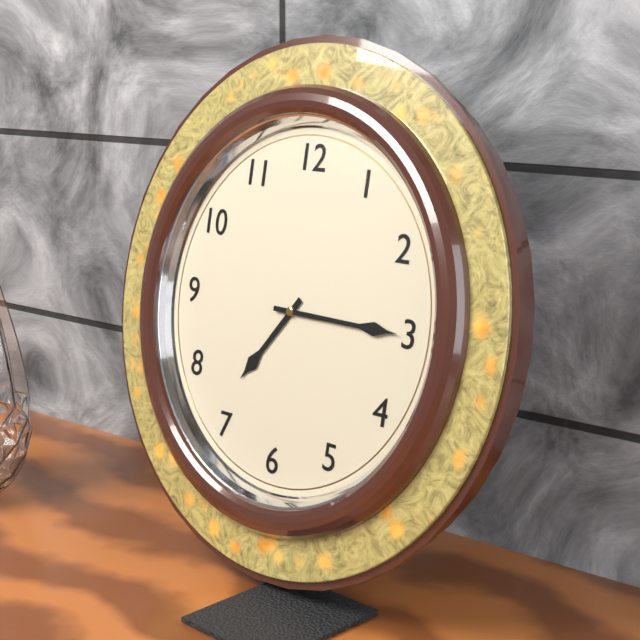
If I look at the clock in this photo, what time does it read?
7:15
